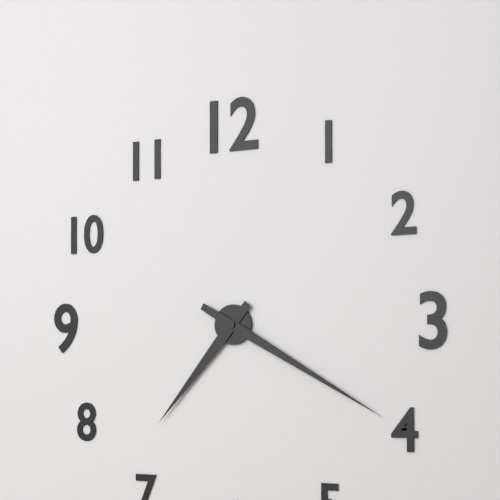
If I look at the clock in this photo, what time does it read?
7:20
